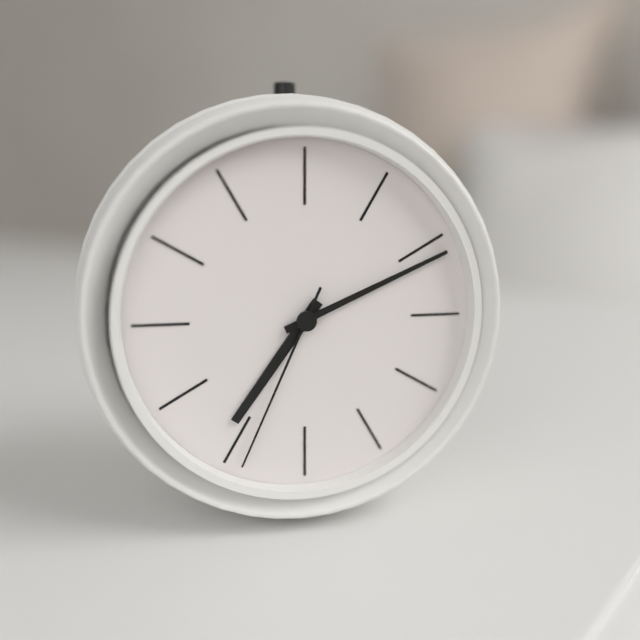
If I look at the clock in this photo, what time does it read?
7:11:34
